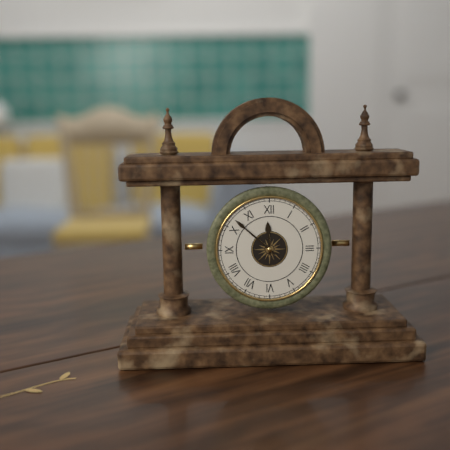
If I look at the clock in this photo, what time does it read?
11:52
